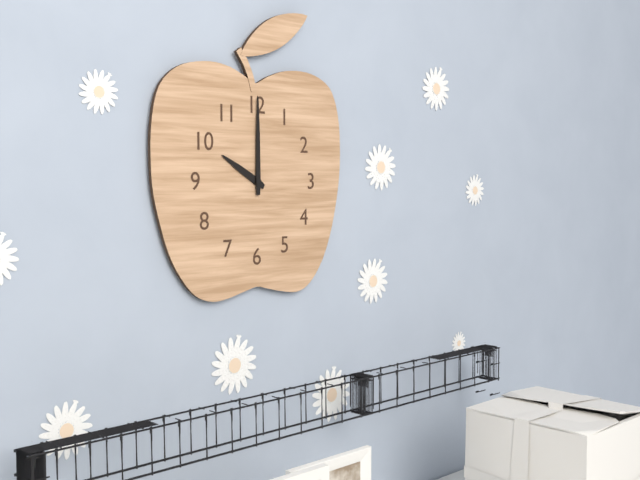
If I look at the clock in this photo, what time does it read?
10:00
